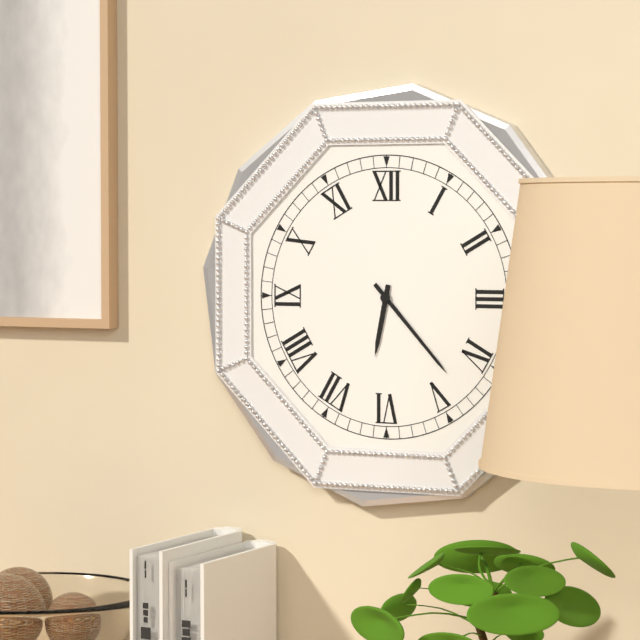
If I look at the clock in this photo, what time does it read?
6:23
